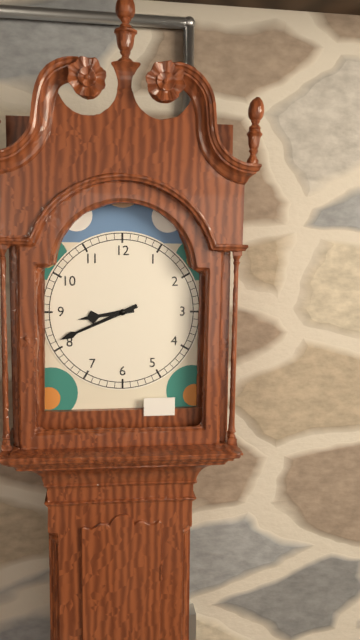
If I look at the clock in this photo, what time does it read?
8:41
